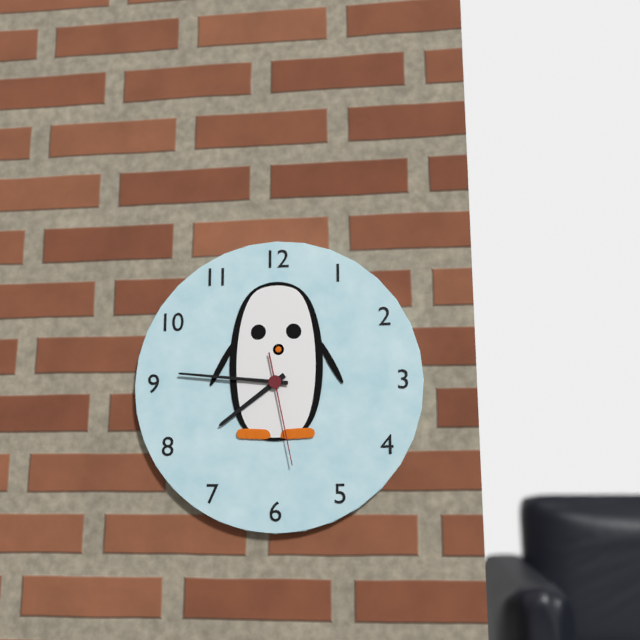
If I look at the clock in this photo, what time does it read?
7:46:28
